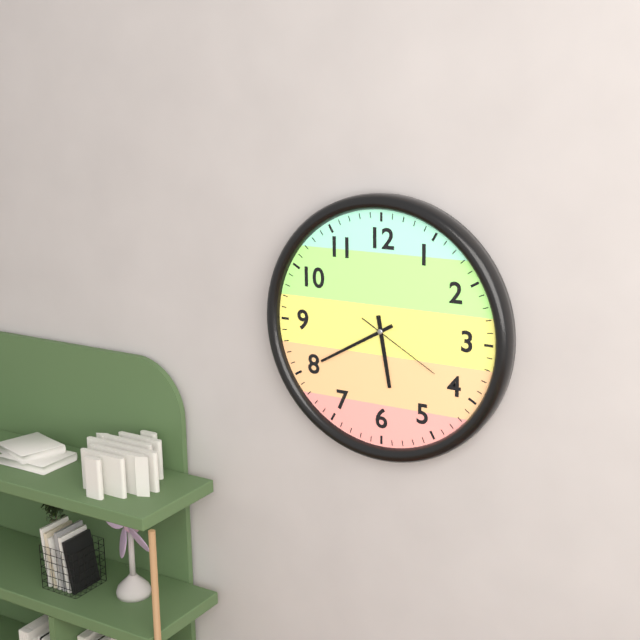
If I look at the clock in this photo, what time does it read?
5:40:20
